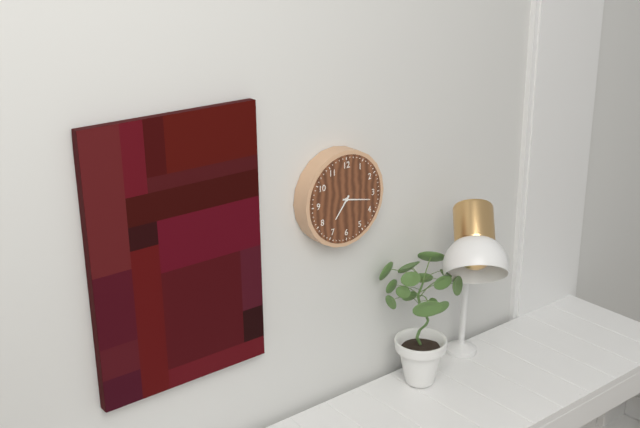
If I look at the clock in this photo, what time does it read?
7:17
